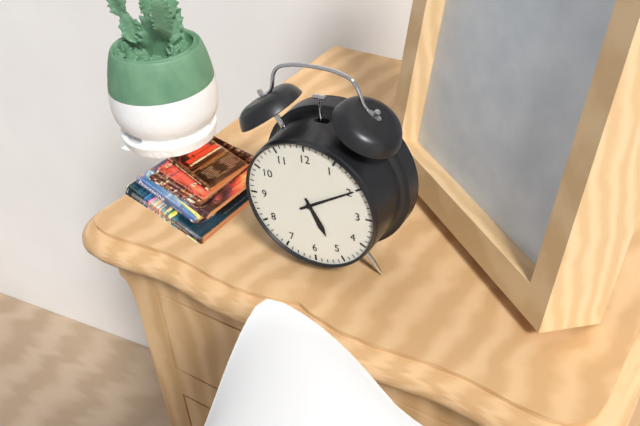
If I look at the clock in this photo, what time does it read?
5:10
